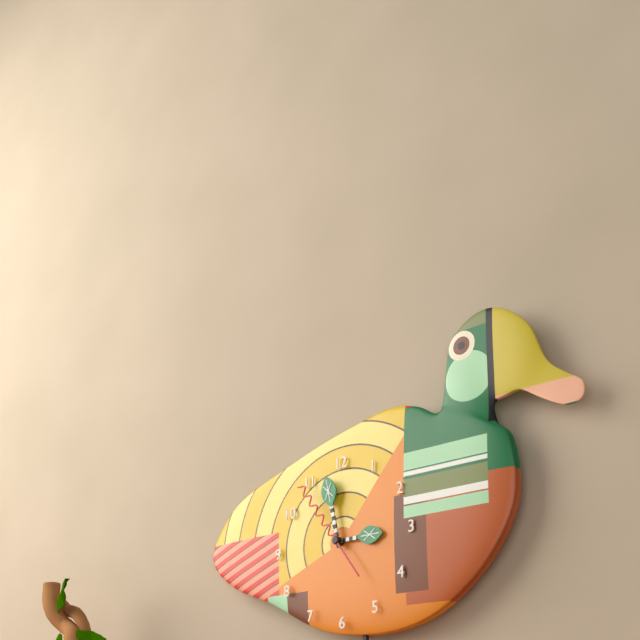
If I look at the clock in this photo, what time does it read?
2:58:54
